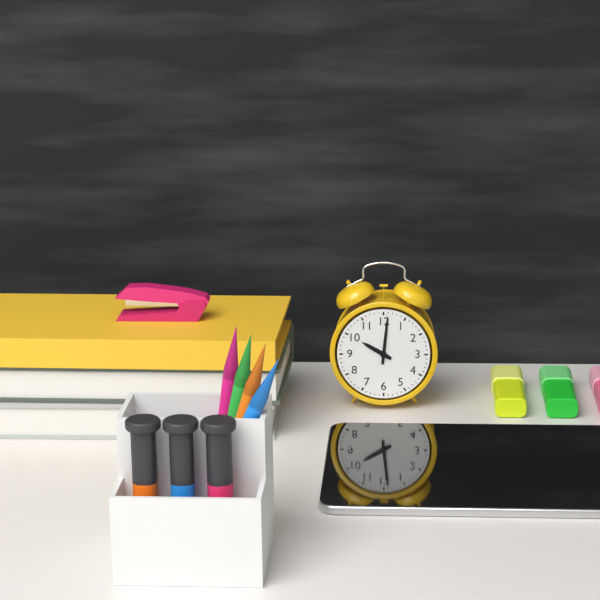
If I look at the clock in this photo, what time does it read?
10:01
